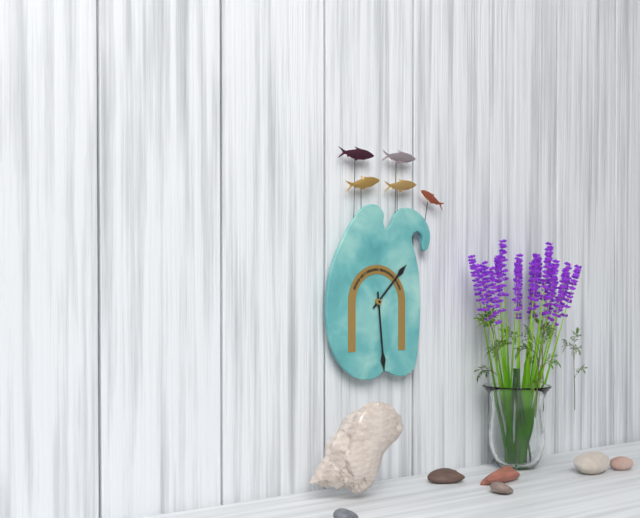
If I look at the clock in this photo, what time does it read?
1:29
